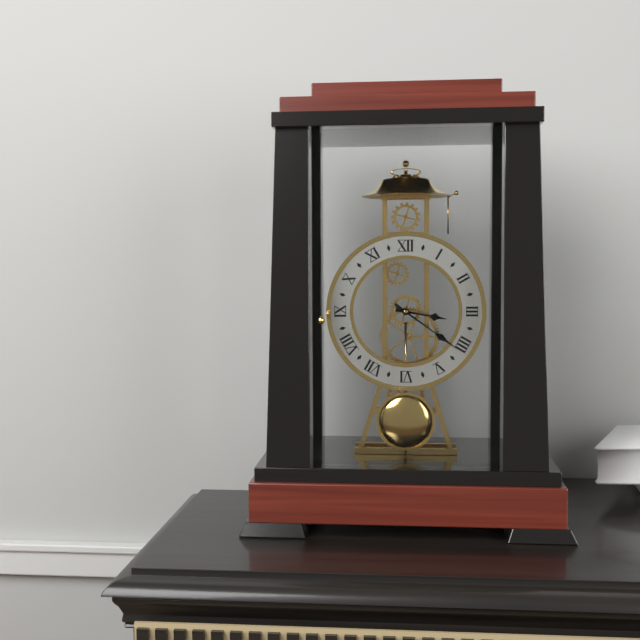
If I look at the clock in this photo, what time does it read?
3:21
